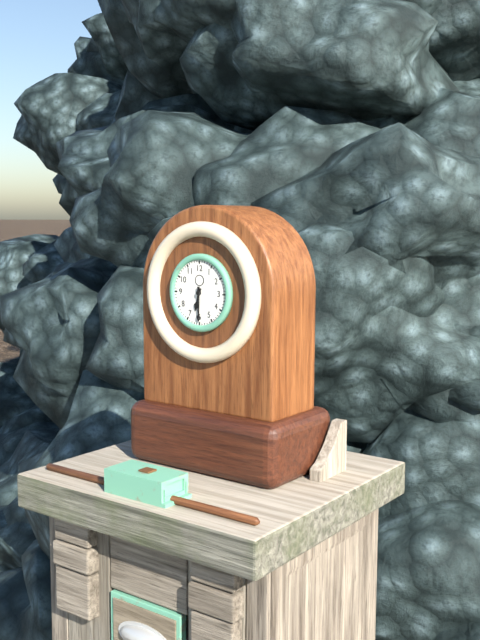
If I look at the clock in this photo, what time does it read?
6:30
